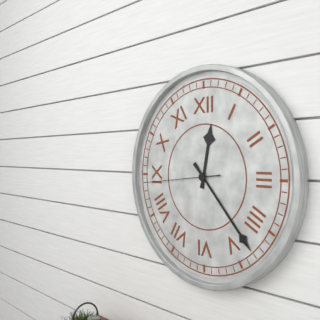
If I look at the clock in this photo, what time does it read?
12:23:44
